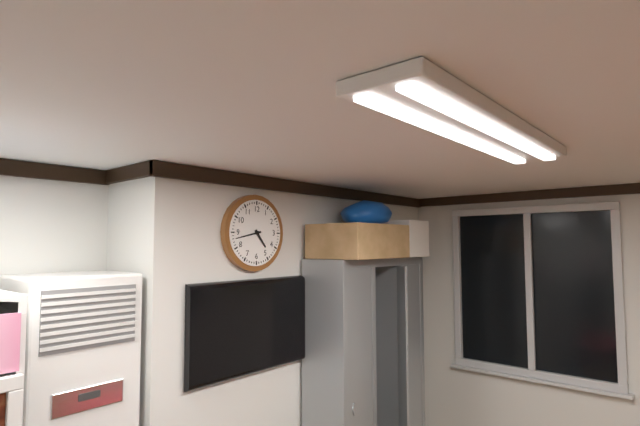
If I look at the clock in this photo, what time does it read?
4:43
